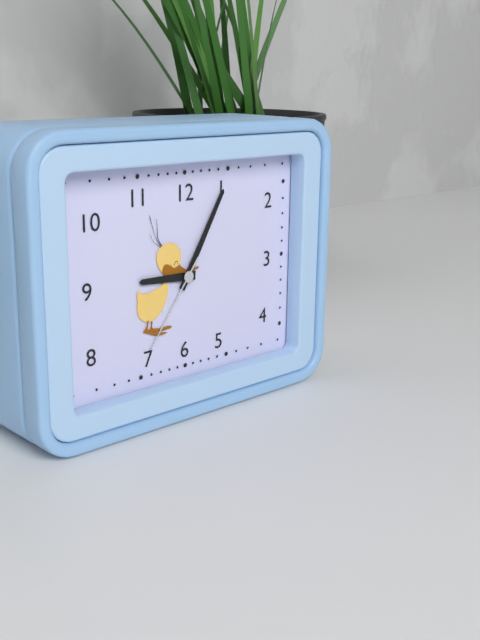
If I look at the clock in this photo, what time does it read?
9:05:36
